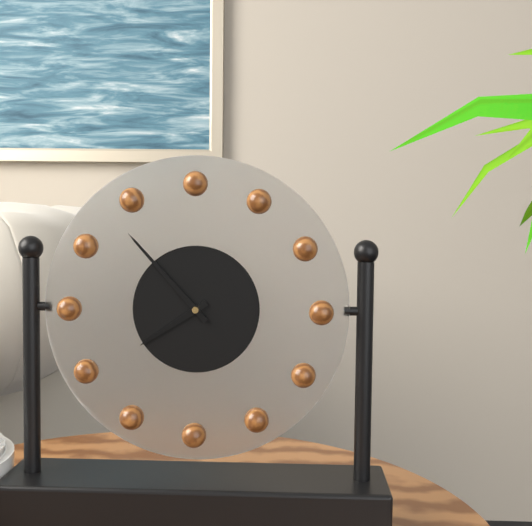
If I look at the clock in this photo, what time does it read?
7:53
